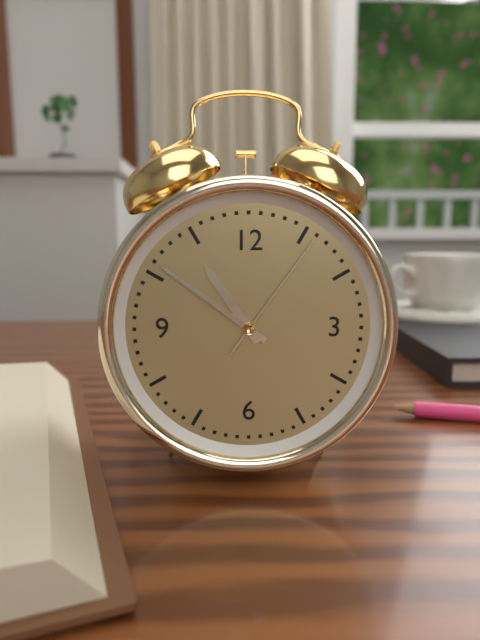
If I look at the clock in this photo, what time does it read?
10:51:06
